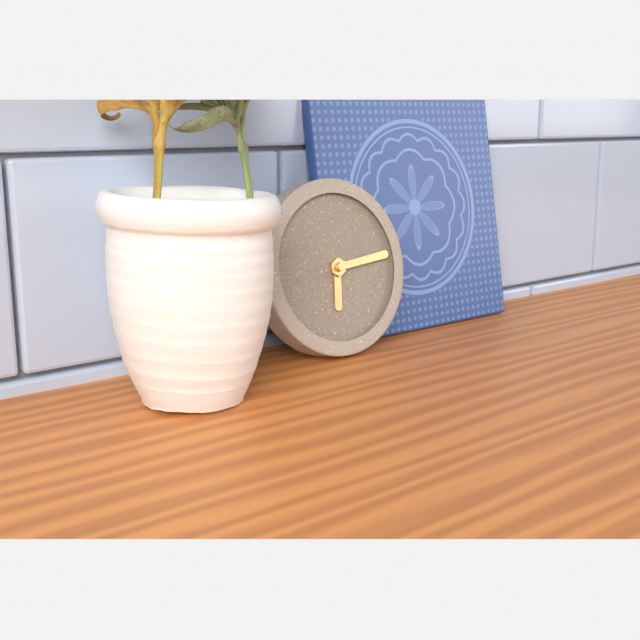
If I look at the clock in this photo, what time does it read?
6:14
